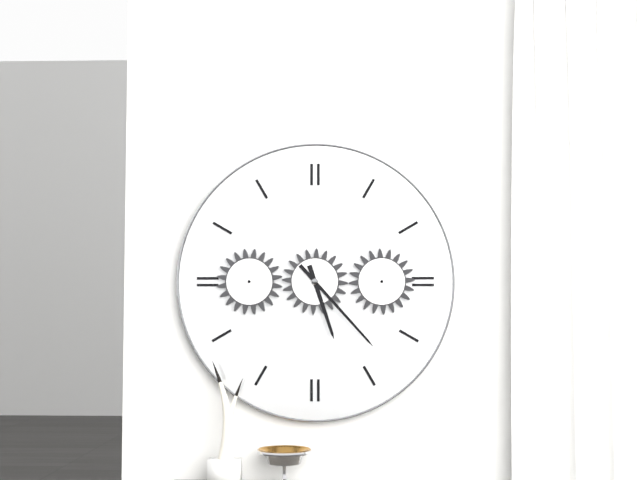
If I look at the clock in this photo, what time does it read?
5:23
